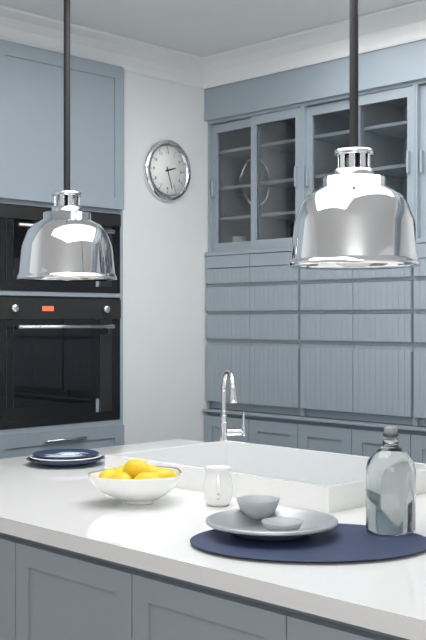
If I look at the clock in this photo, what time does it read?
2:27
